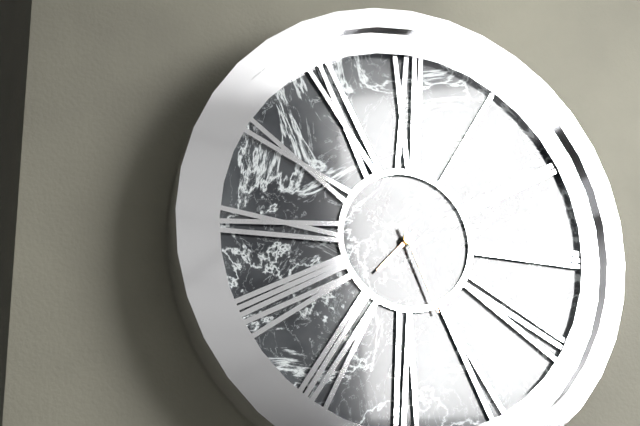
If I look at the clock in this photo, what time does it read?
7:26
